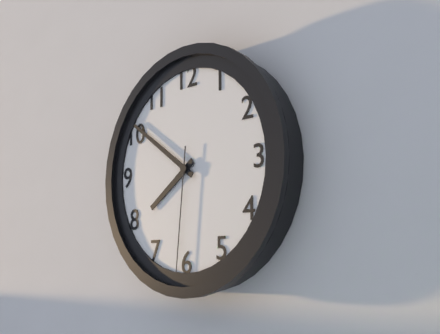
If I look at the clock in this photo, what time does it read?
7:51:31
